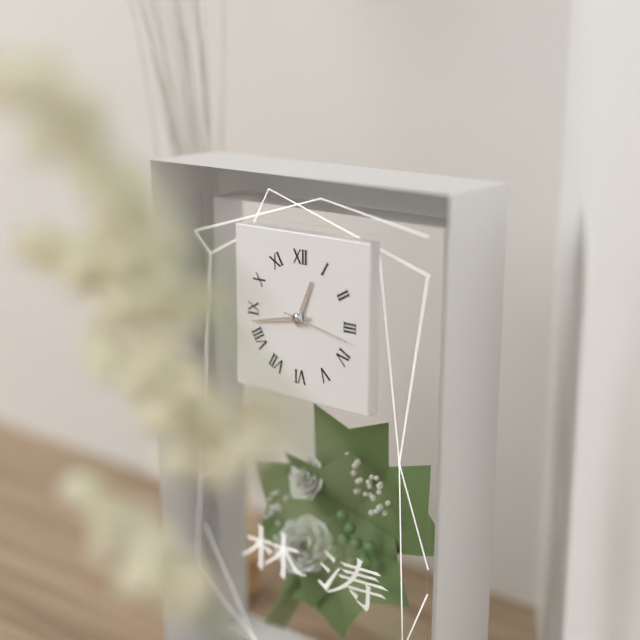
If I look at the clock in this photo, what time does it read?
12:43:17
